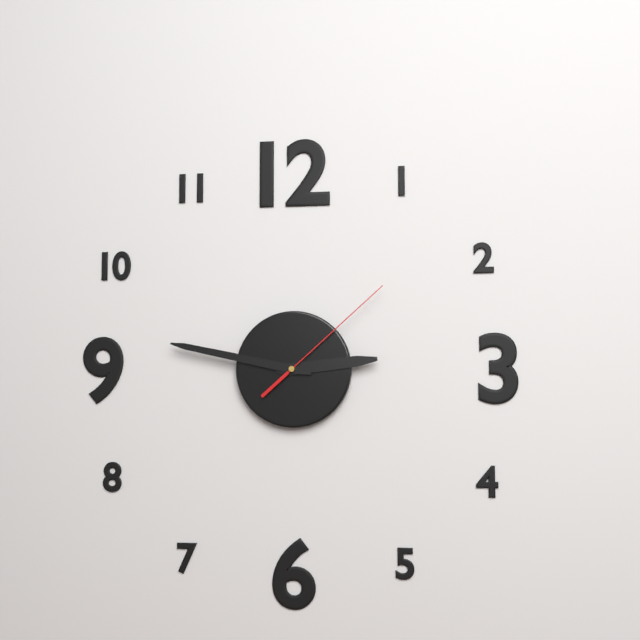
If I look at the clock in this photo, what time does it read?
2:47:08
